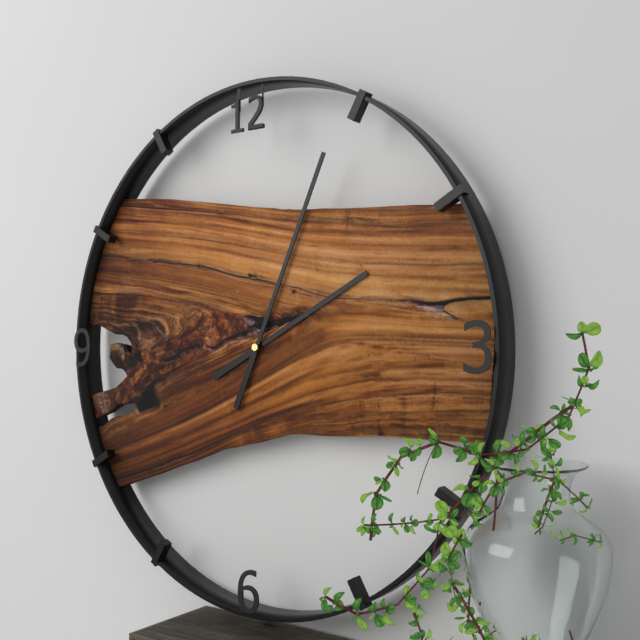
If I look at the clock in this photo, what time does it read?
2:04
